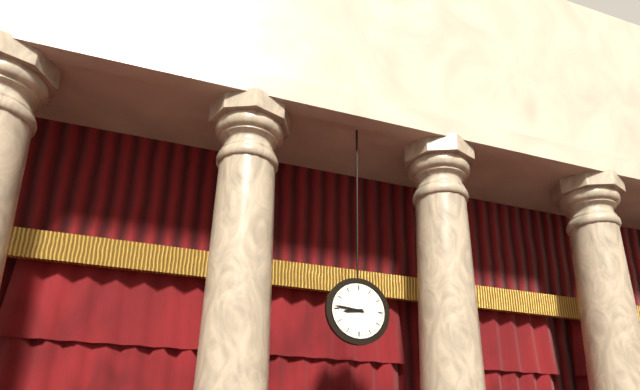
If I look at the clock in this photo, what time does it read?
8:46
